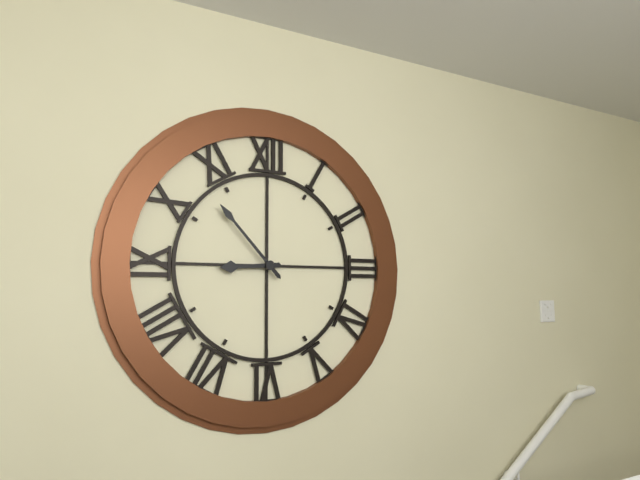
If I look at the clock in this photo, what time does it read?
8:53
